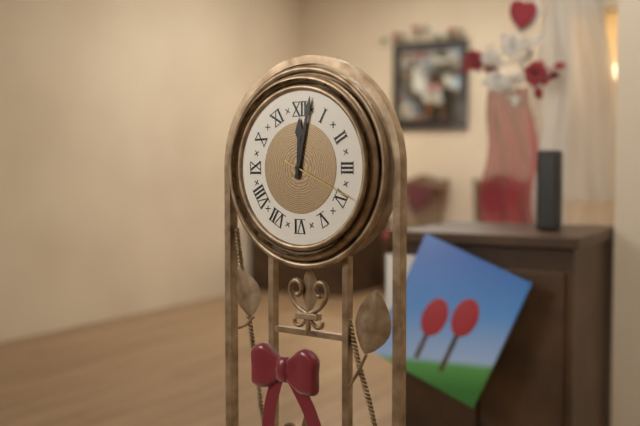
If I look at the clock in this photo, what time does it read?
12:02:19
